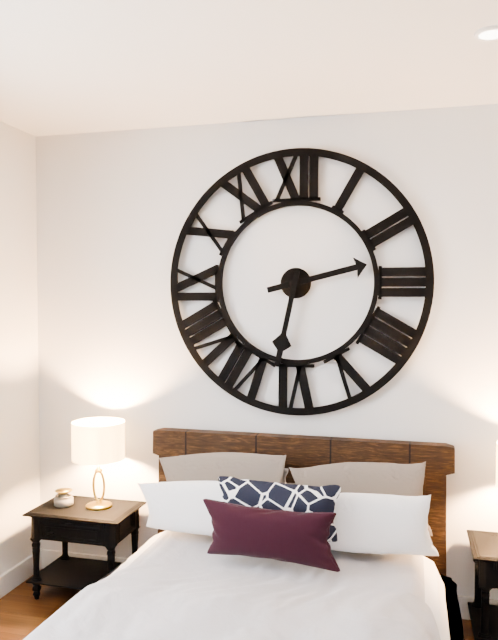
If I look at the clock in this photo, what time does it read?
2:32
